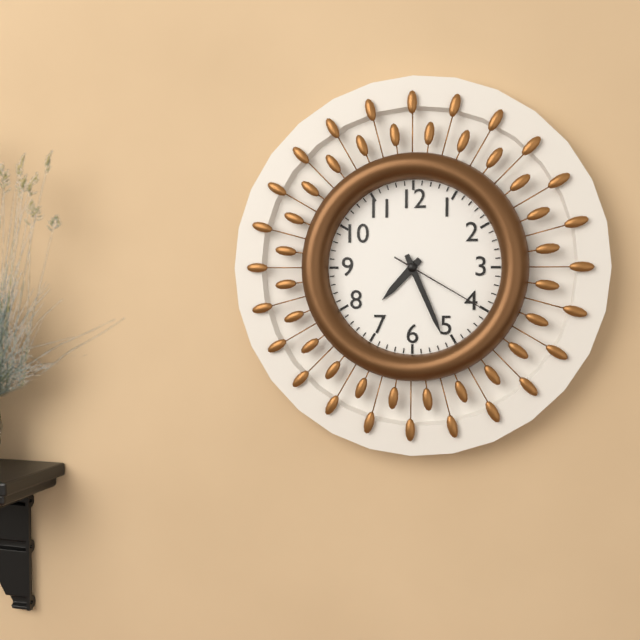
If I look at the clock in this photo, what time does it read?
7:26:20
